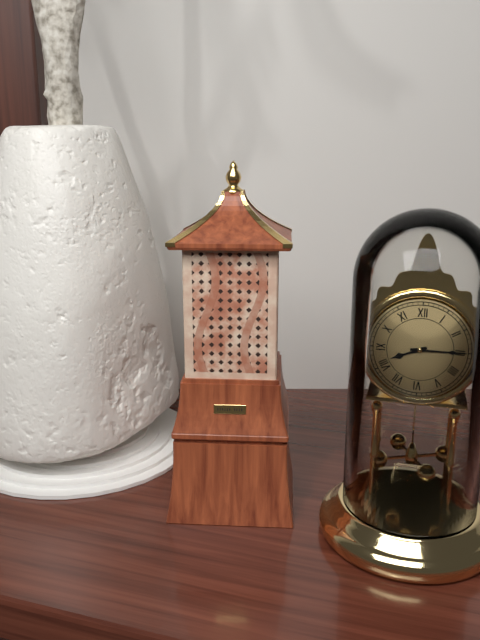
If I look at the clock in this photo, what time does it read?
8:15
